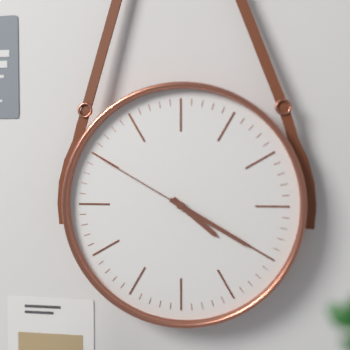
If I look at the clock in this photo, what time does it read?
4:20:50
